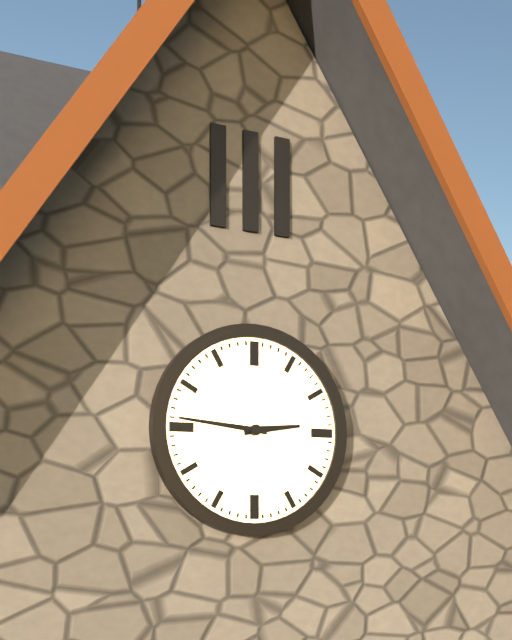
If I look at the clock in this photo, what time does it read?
2:46
